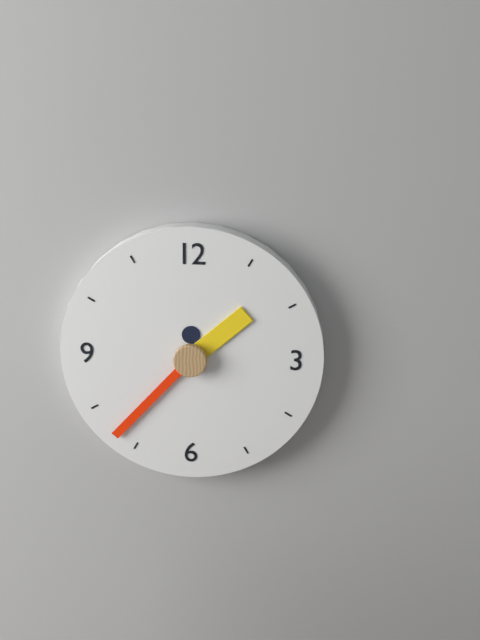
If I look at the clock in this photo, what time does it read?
1:37
